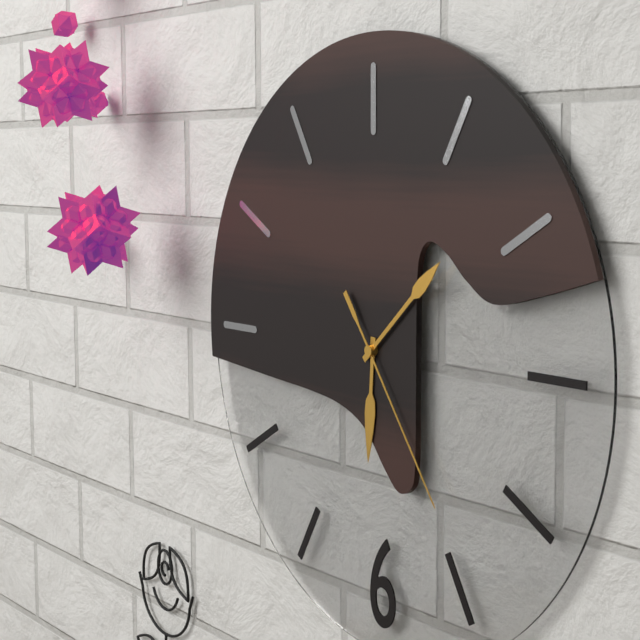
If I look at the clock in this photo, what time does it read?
6:08:24
